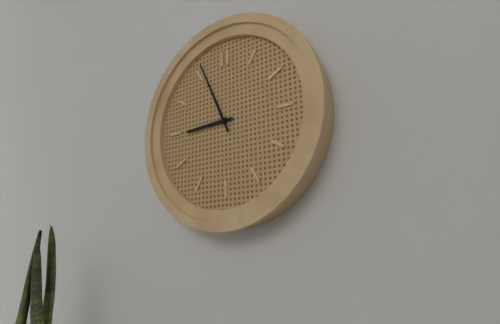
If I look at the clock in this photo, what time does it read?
8:56
